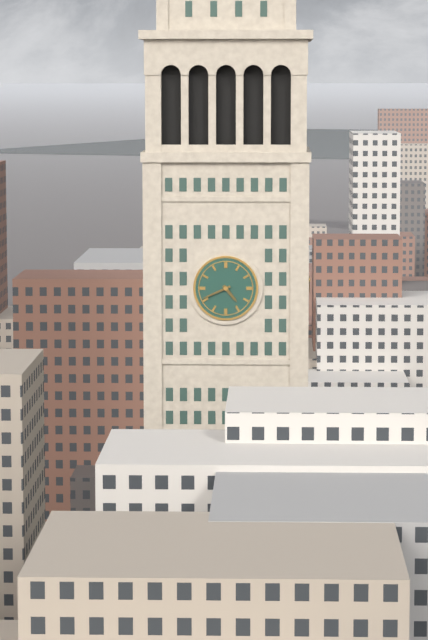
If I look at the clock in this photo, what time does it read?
4:41
